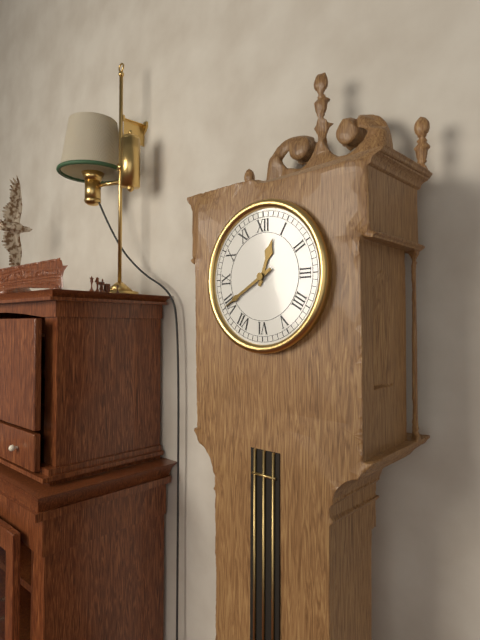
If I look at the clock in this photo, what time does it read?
12:40
